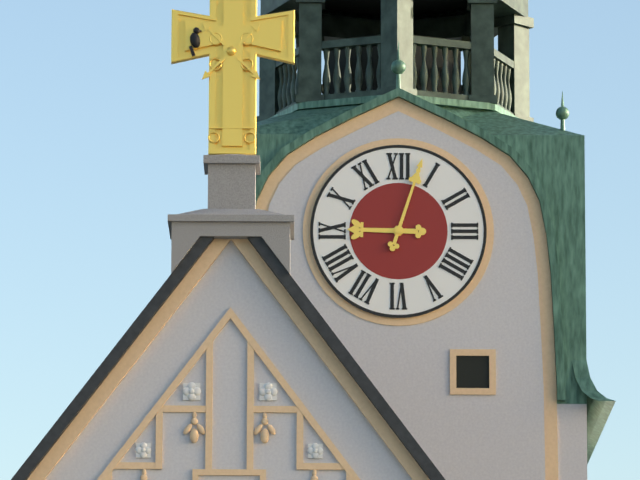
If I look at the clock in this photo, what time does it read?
9:03
